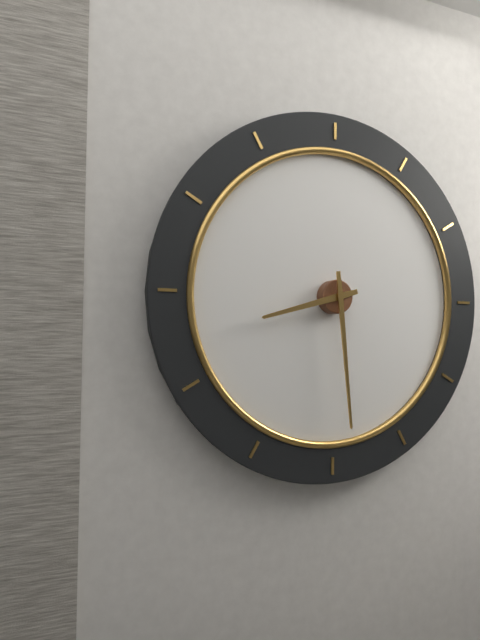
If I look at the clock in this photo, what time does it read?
8:29
